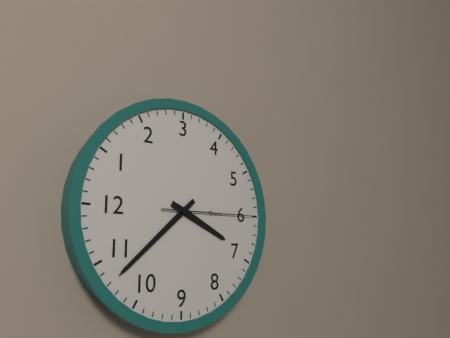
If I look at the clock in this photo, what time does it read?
6:53:30
